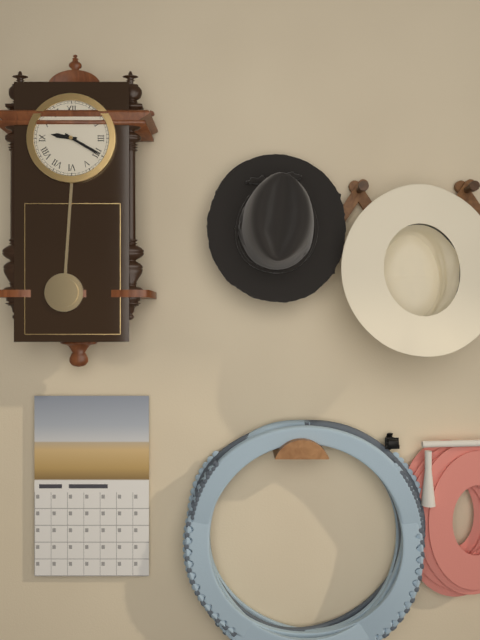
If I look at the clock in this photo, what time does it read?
9:20
